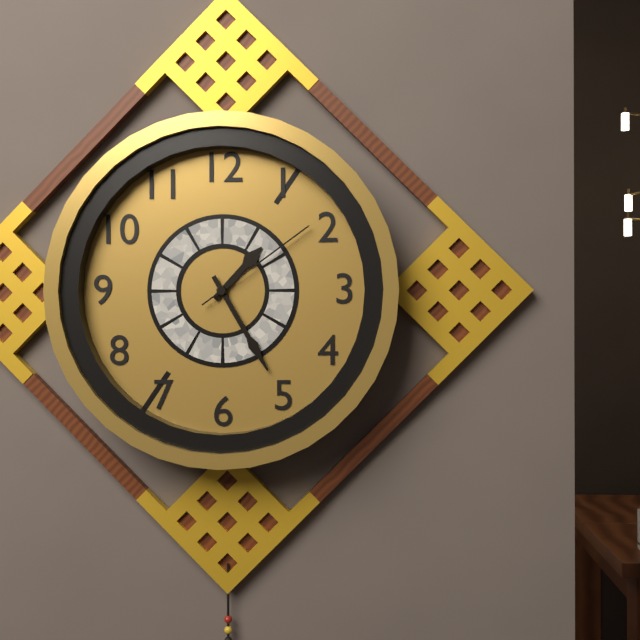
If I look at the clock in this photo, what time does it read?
1:25:09
